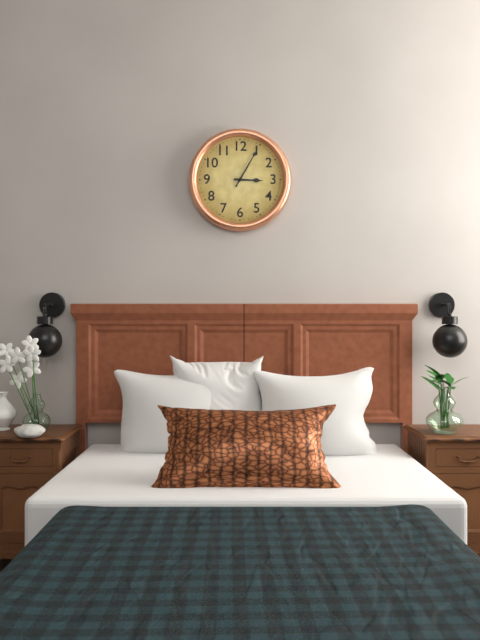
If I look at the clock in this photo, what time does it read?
3:05
